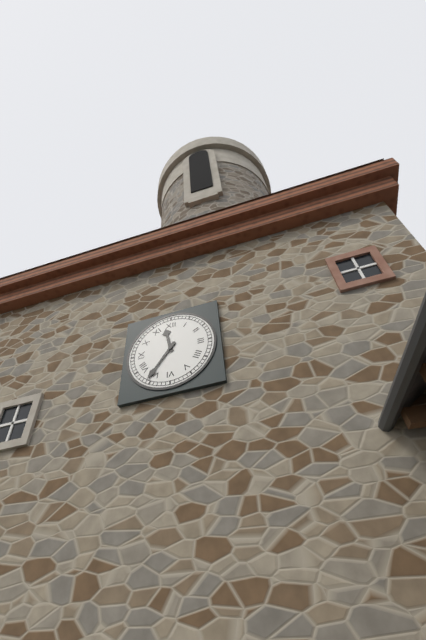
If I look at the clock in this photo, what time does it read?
11:36
